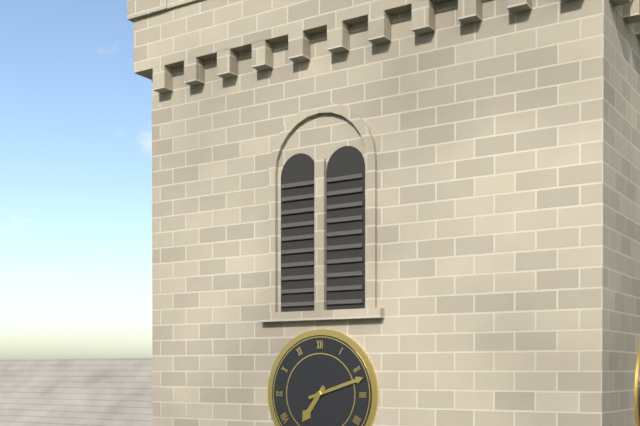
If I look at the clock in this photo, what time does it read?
7:12
